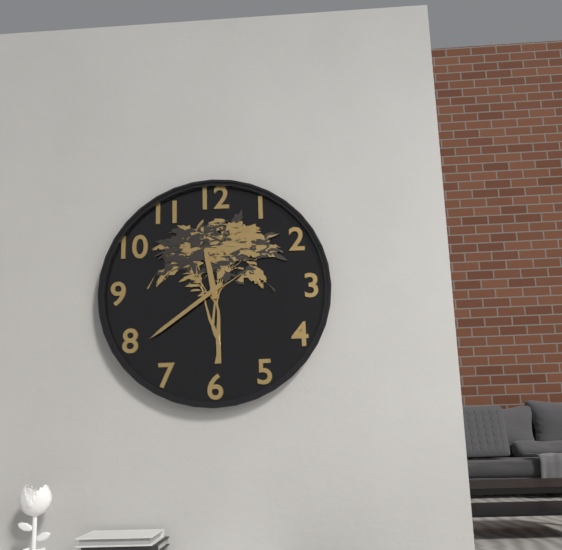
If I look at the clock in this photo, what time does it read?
11:39
